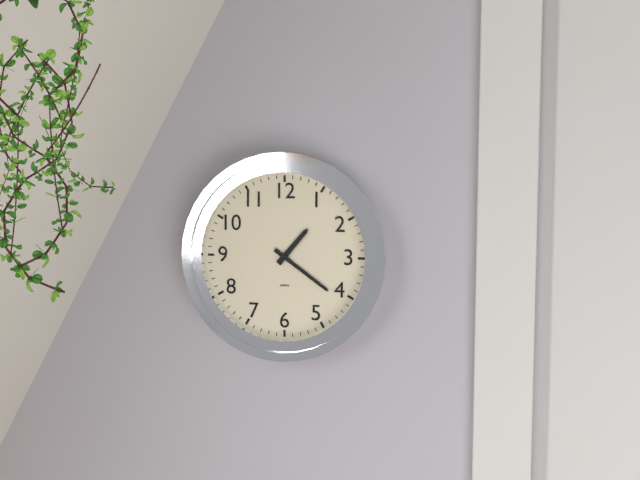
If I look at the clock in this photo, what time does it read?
1:21
